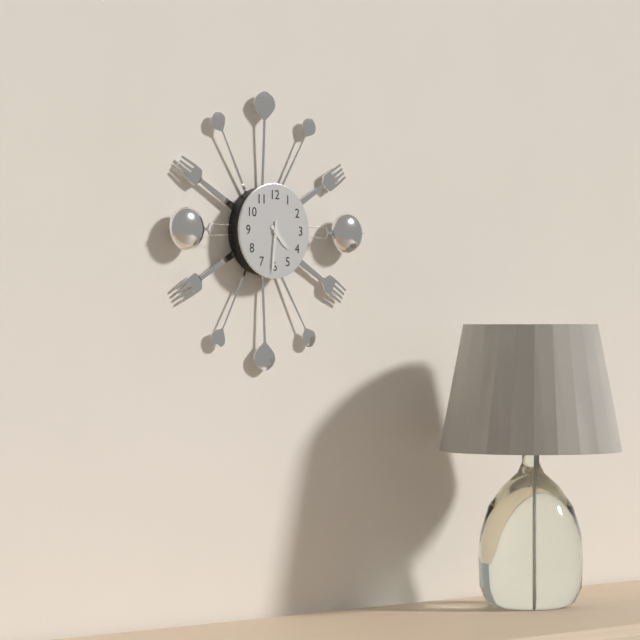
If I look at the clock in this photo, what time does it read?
4:31
